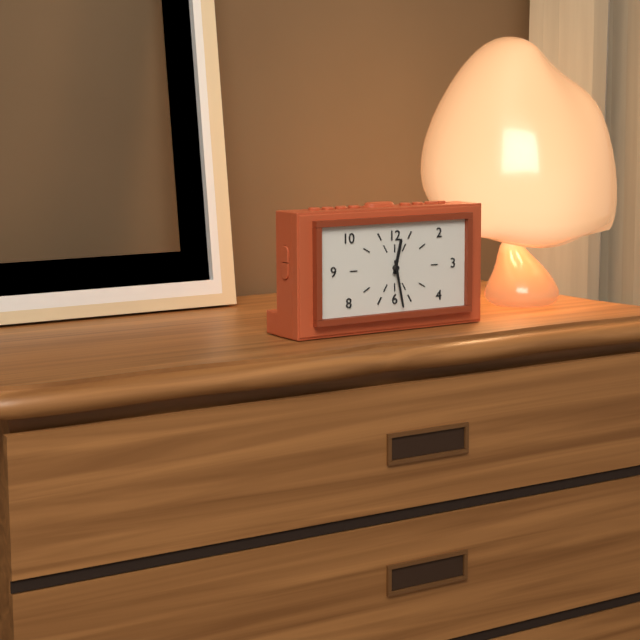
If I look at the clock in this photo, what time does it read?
12:28
